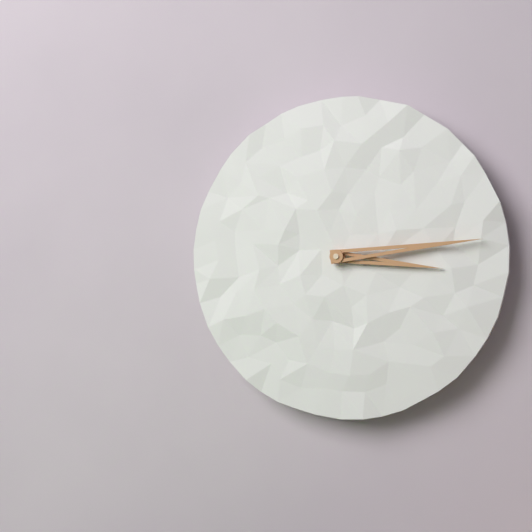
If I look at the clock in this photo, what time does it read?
3:14
